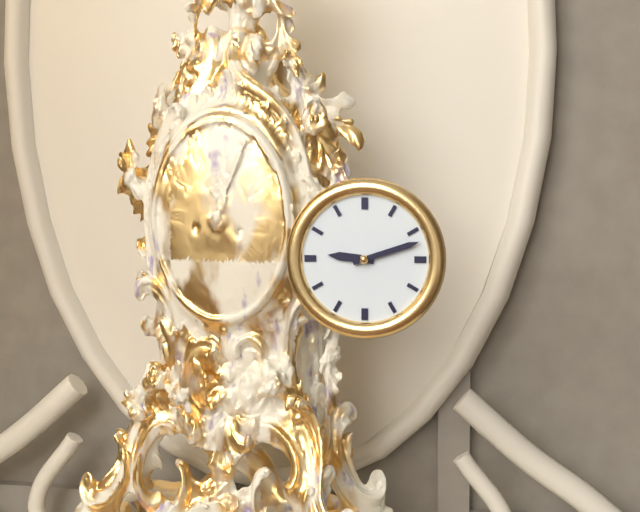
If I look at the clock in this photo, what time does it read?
9:12
